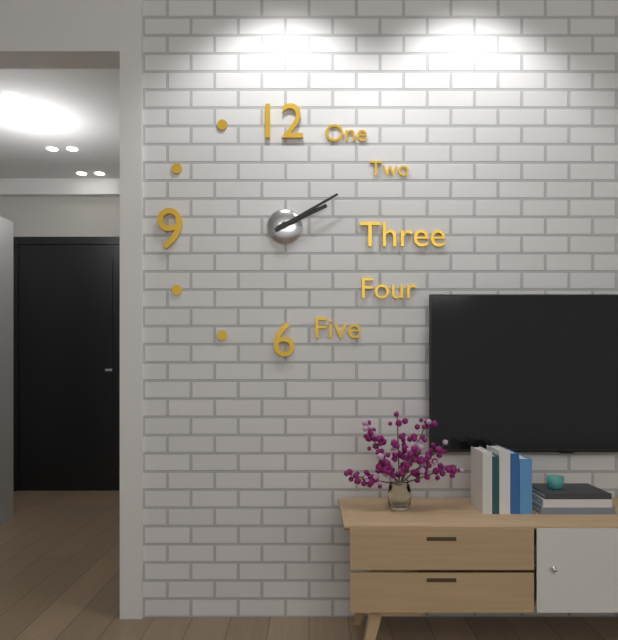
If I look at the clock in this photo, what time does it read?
2:10
